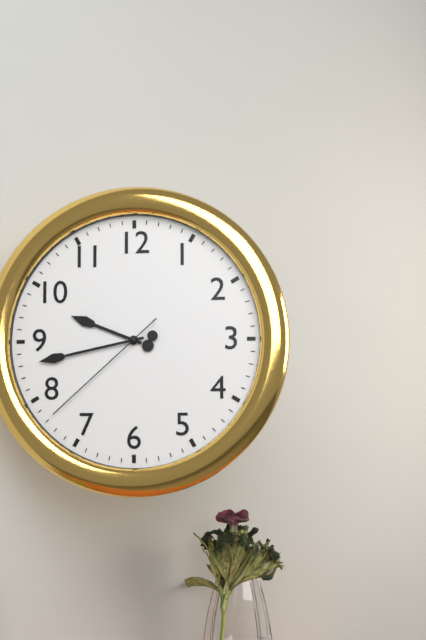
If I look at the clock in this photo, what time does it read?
9:43:38
